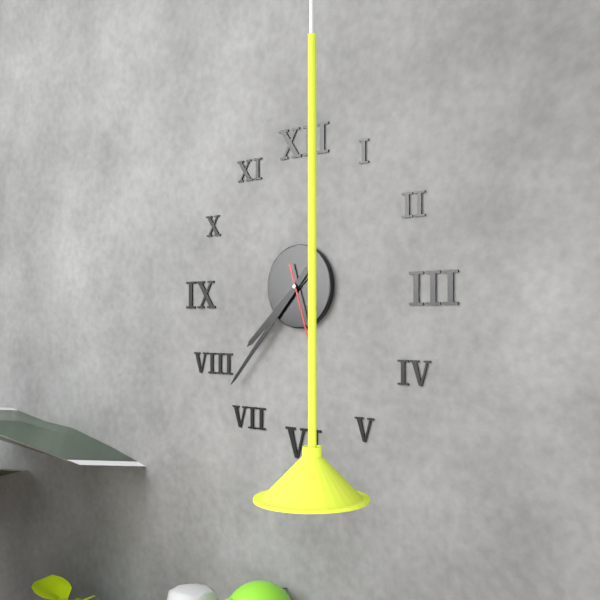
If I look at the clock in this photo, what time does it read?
7:37
